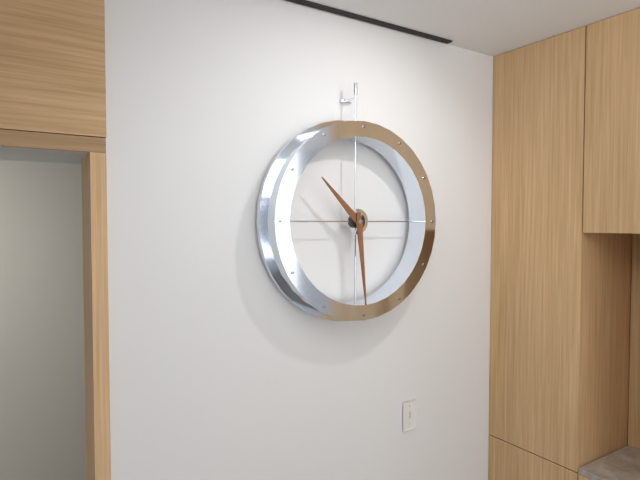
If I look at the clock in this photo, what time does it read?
10:29
